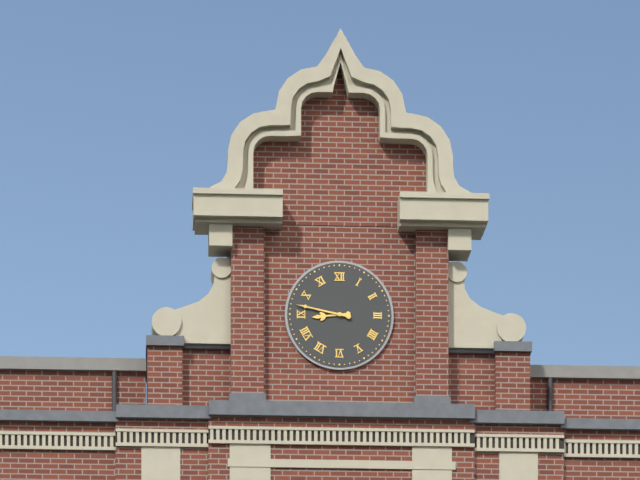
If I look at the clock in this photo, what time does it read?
8:47
